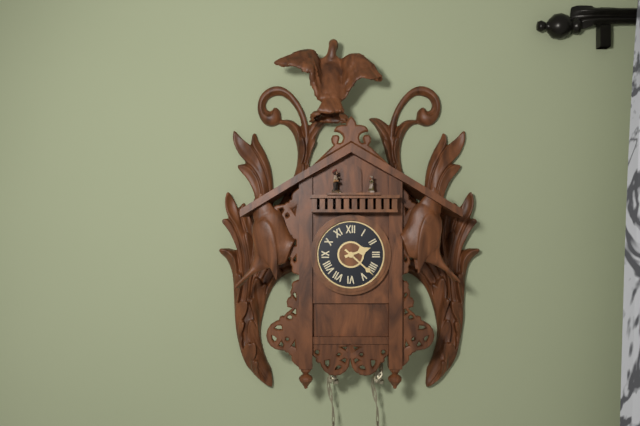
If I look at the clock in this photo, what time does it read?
2:22
